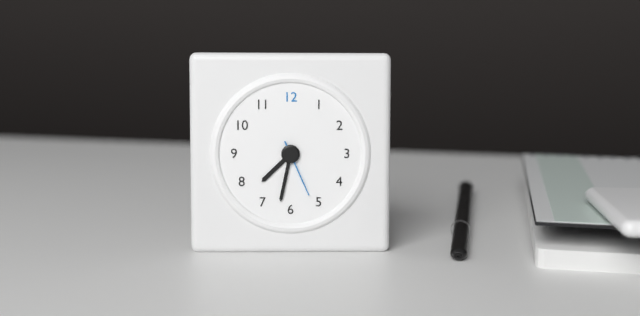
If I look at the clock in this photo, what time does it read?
7:32:26
